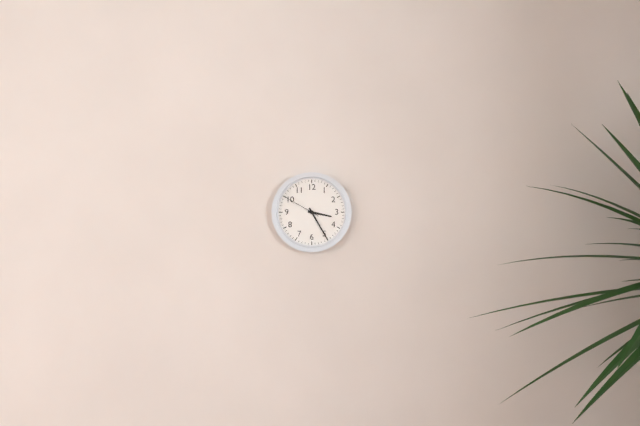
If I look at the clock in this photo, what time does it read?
3:25
